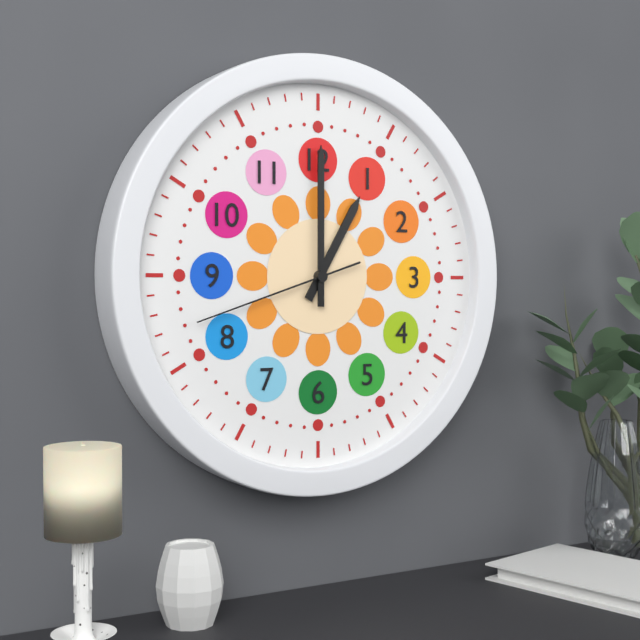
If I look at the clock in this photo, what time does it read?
1:00:42
